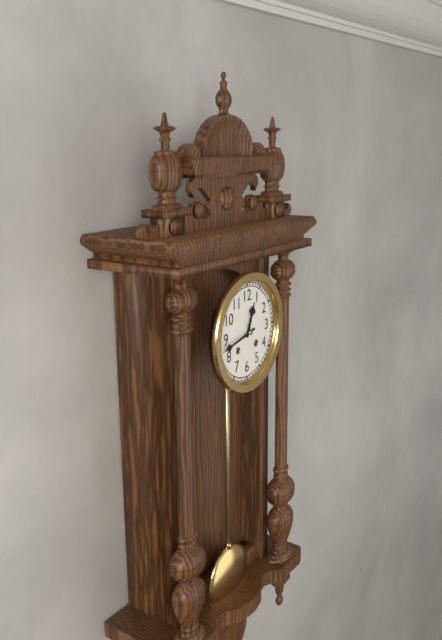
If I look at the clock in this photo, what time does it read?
12:43
